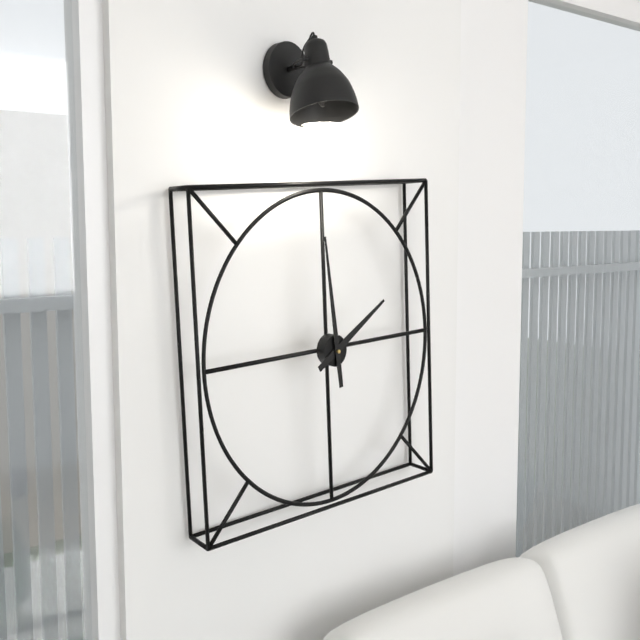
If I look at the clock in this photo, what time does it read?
1:59
